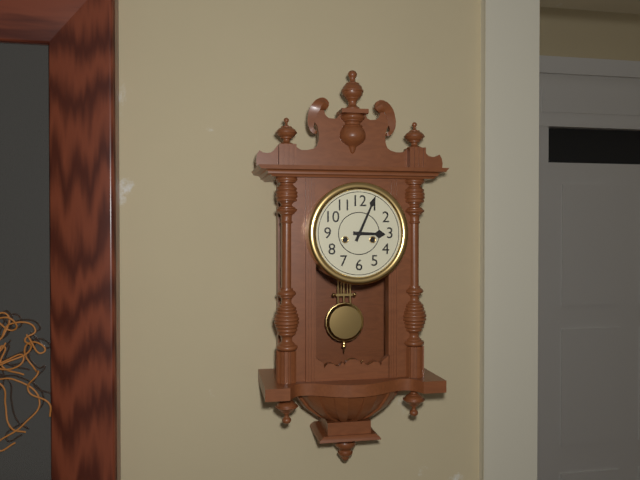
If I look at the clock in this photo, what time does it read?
3:04
